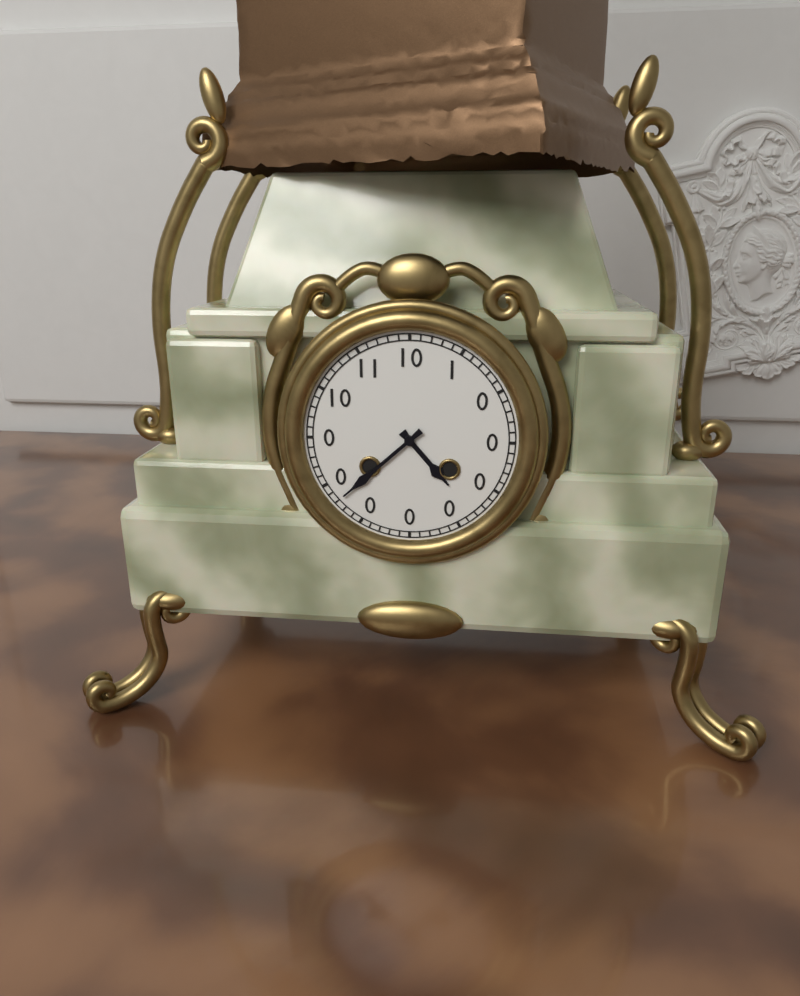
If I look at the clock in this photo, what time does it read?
4:38
